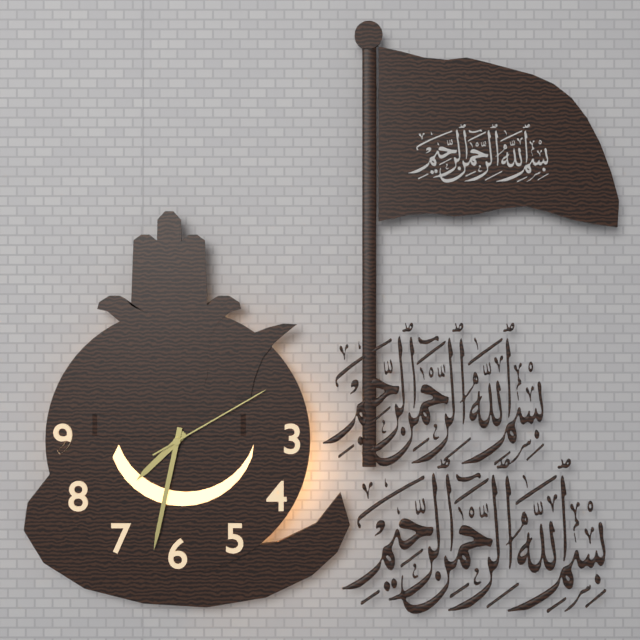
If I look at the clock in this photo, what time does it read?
7:32:10
